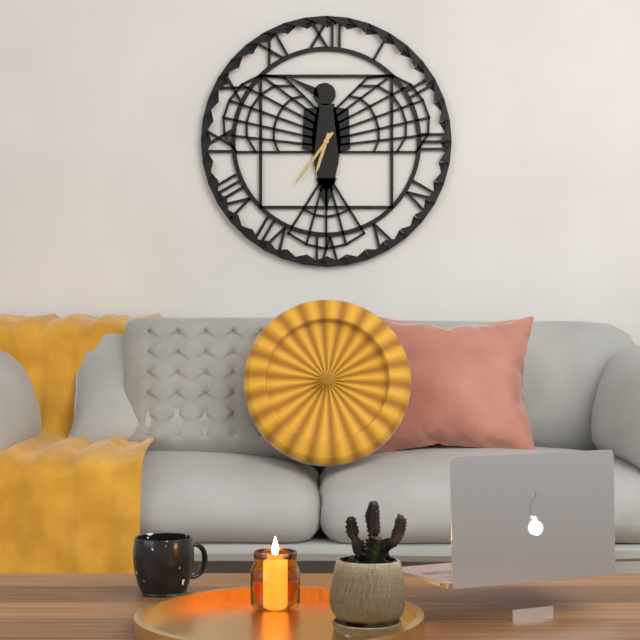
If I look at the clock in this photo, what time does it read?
6:36
